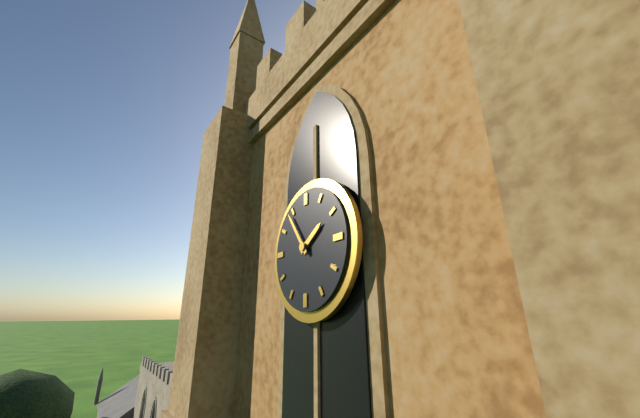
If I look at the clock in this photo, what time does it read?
1:54
